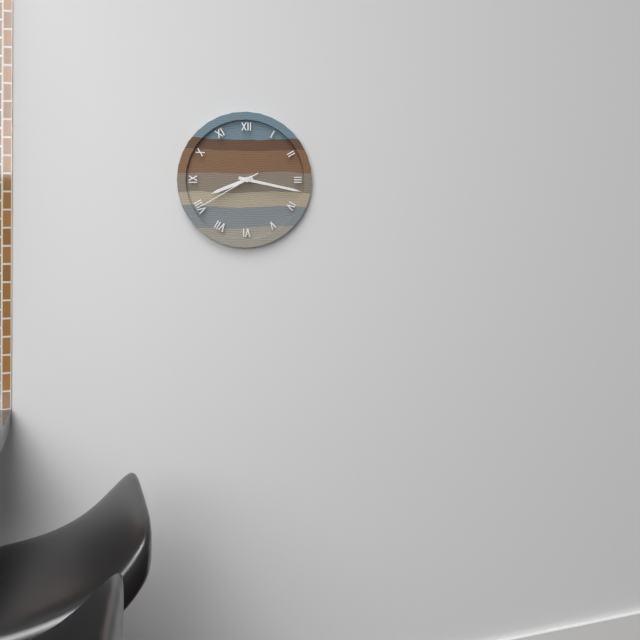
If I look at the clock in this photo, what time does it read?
8:17:40
